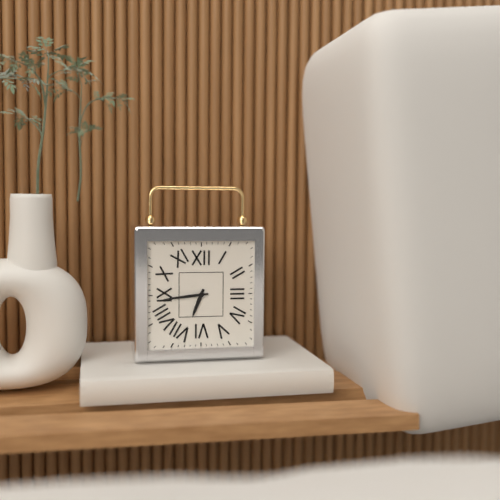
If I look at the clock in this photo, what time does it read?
6:44
